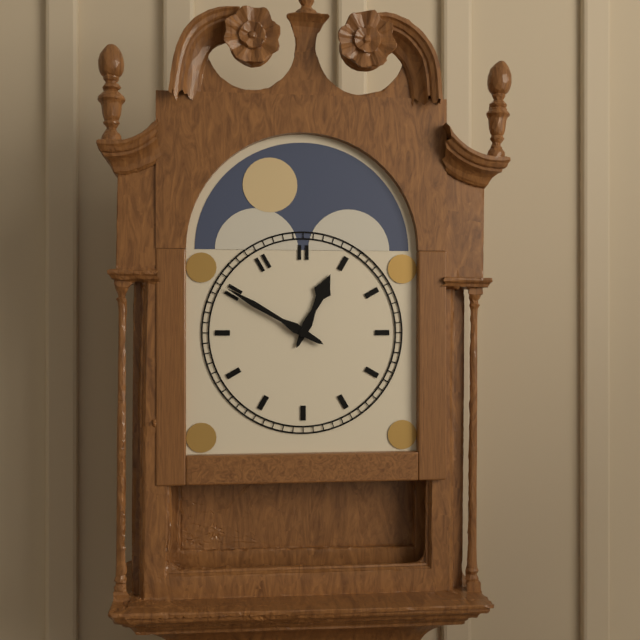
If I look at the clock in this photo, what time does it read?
12:50
